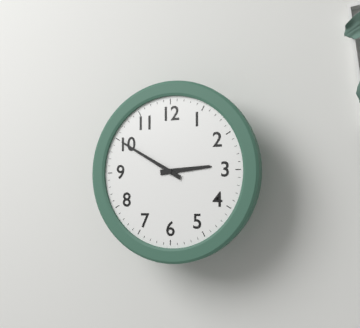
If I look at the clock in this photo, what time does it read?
2:50
